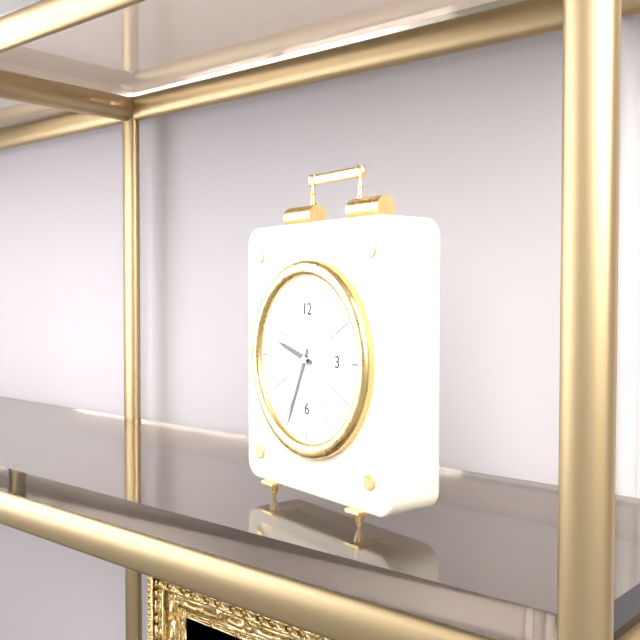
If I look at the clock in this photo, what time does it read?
9:34
